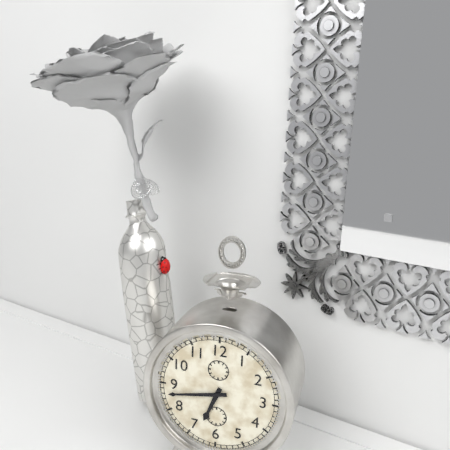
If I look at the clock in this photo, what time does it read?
6:43
